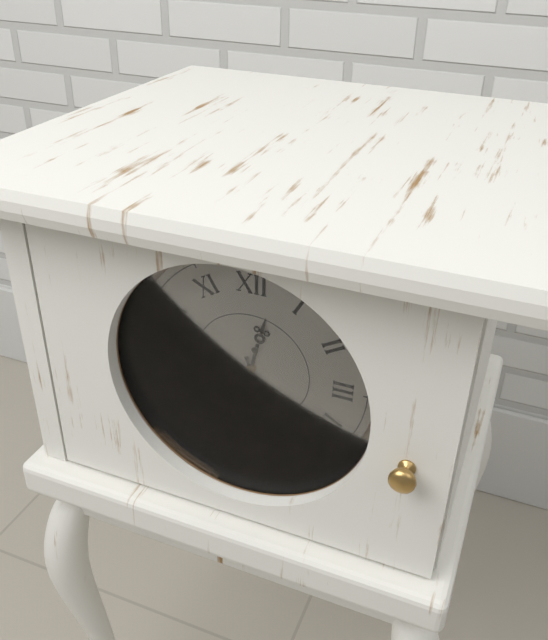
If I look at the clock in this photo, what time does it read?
12:27:32
